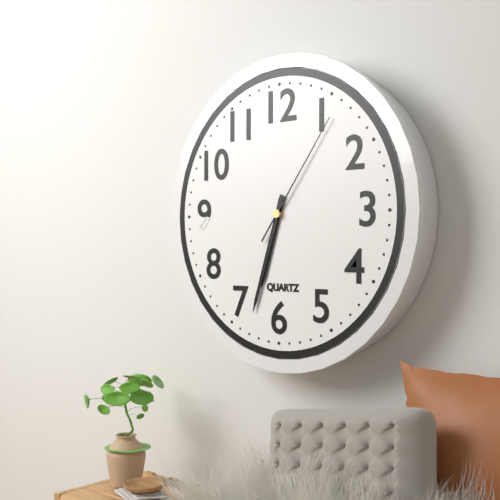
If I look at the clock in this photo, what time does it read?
6:33:06
